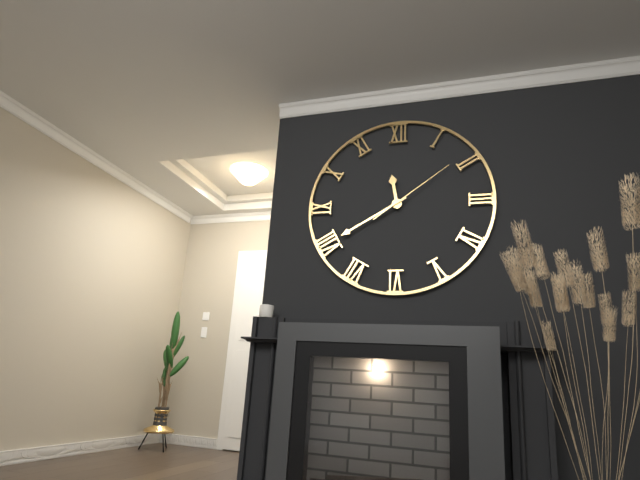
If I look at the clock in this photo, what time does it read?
11:40:09
